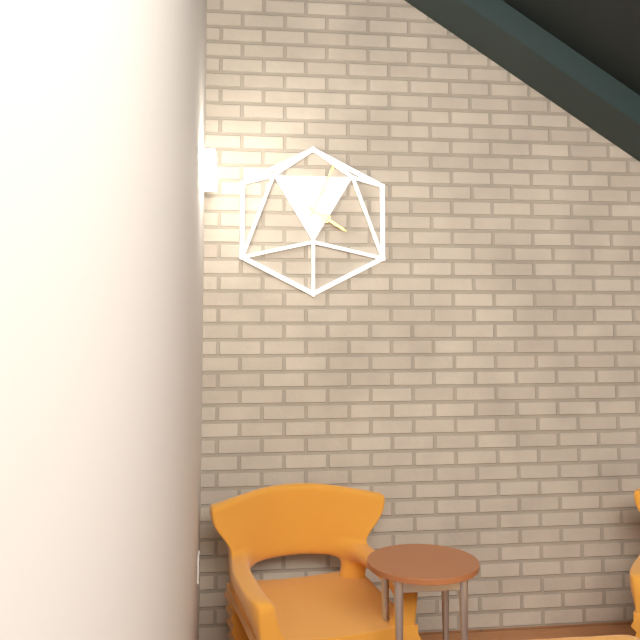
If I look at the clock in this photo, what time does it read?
4:04
